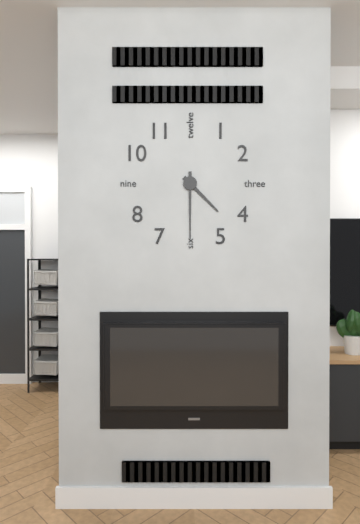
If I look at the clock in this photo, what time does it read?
4:30
